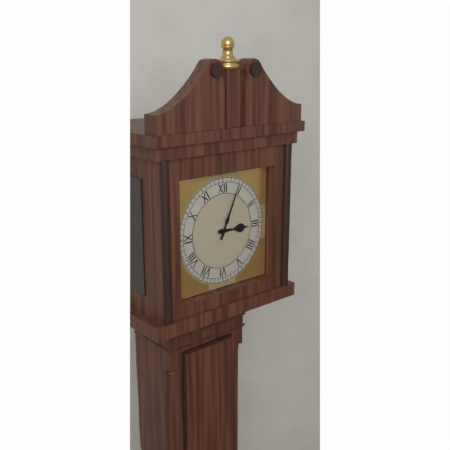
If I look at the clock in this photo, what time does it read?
3:04
